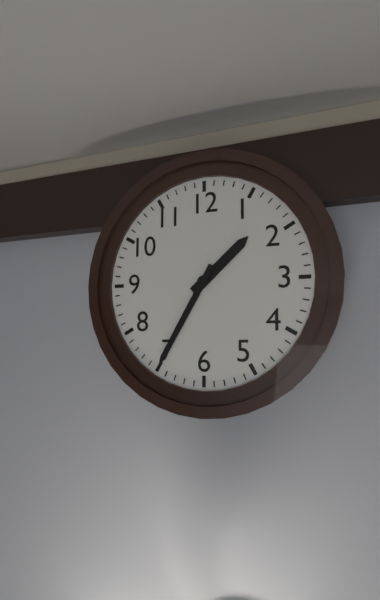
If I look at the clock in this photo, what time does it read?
1:35
